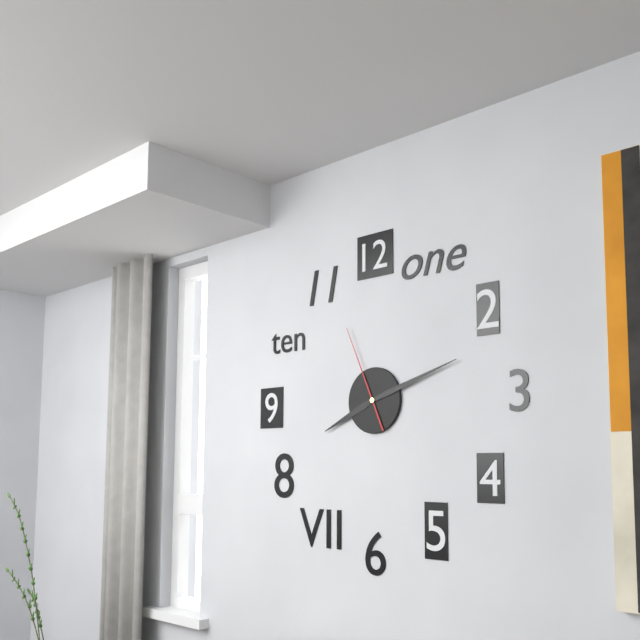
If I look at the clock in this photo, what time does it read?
8:12:56
